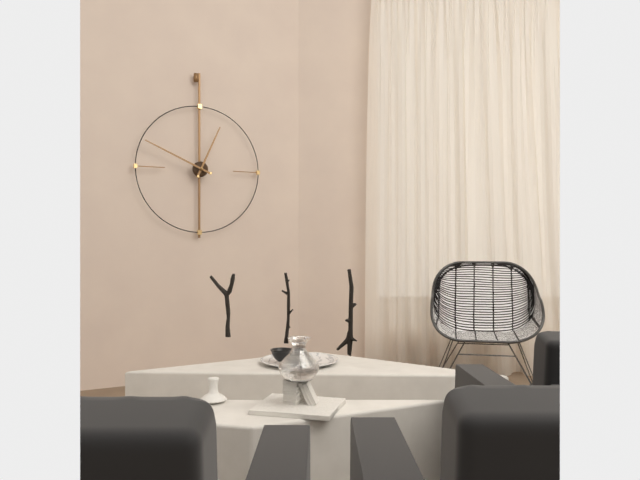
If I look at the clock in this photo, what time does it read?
12:49
